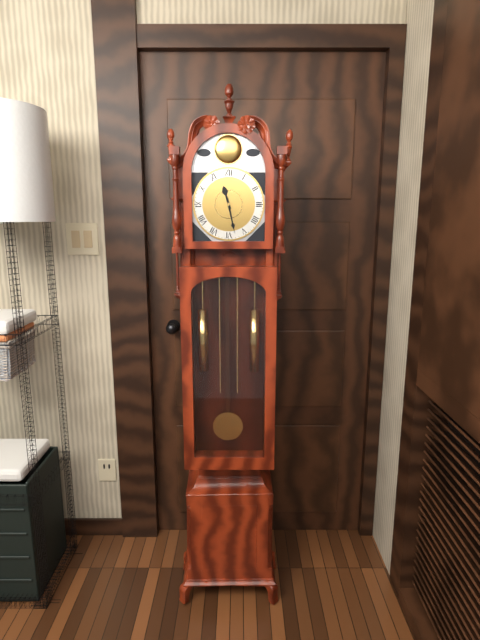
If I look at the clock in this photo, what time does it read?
11:28
